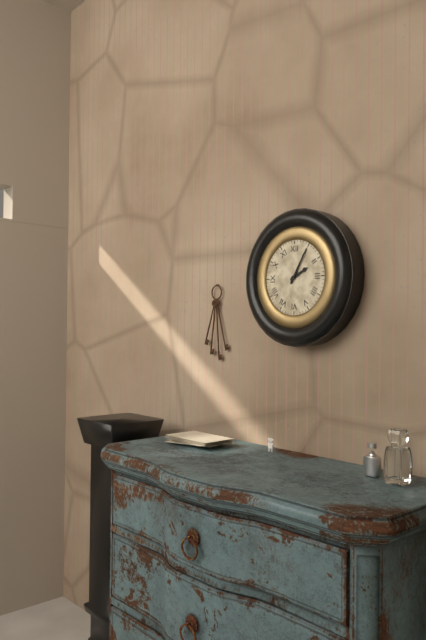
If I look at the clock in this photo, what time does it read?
2:05
